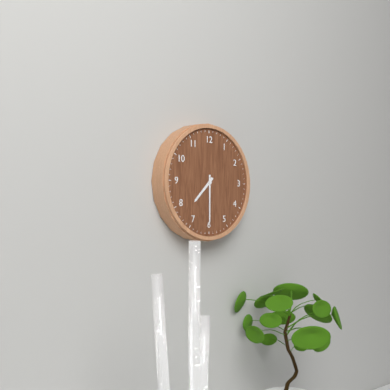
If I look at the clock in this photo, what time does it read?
7:30
